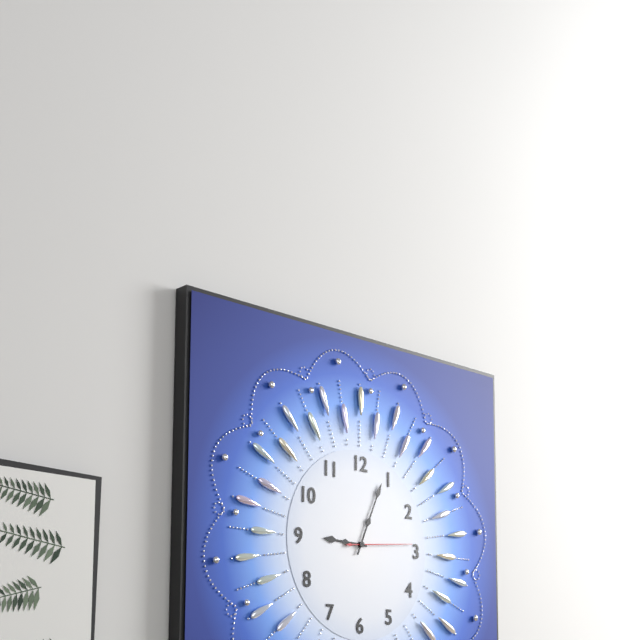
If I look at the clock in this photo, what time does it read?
9:04:14
